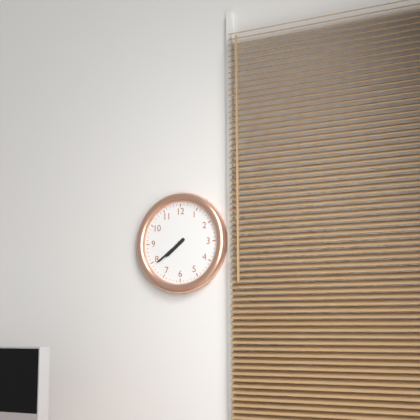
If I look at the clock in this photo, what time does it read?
7:39
